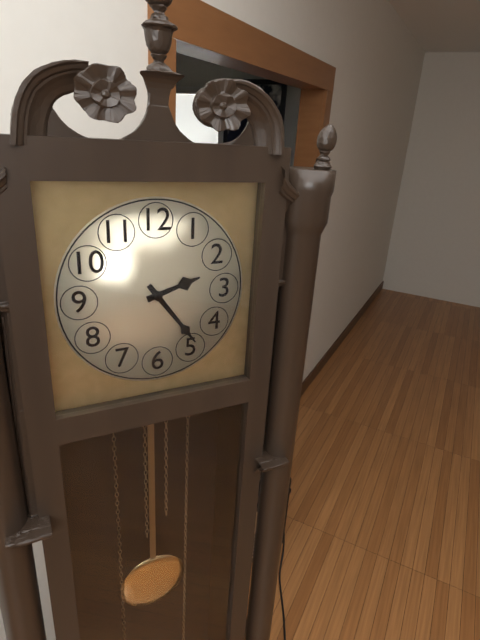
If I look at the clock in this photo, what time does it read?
2:24
